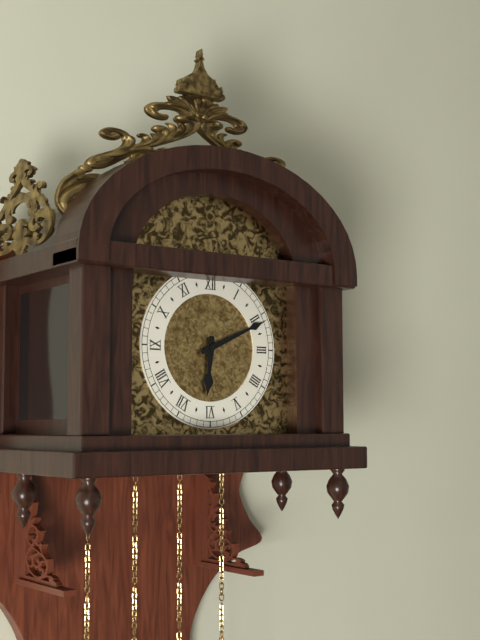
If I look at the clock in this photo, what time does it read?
6:11
